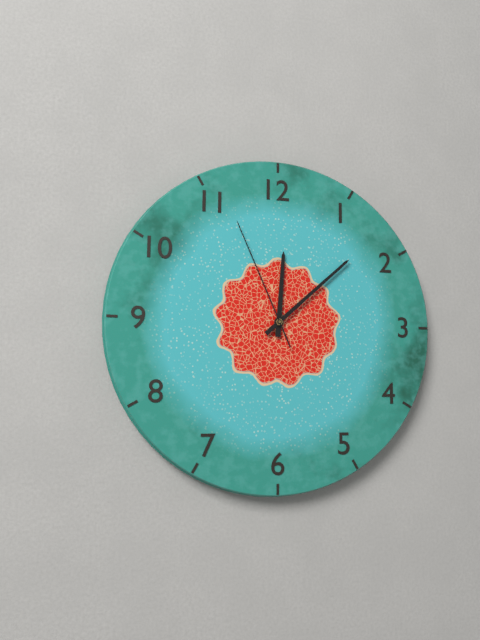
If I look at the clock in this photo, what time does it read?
12:08:56
